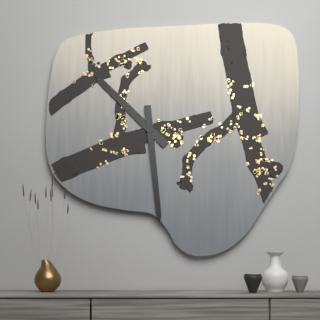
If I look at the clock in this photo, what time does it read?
10:29
